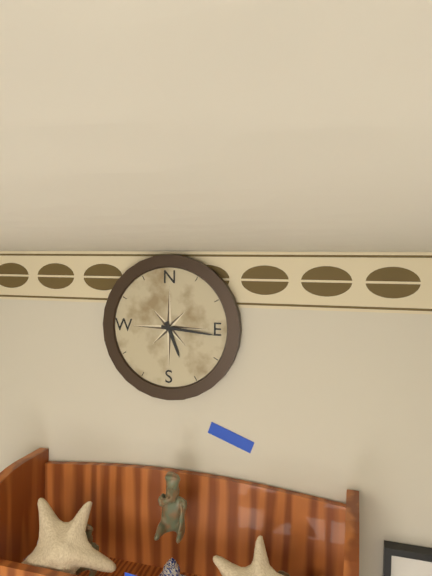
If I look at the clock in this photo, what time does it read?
5:16
